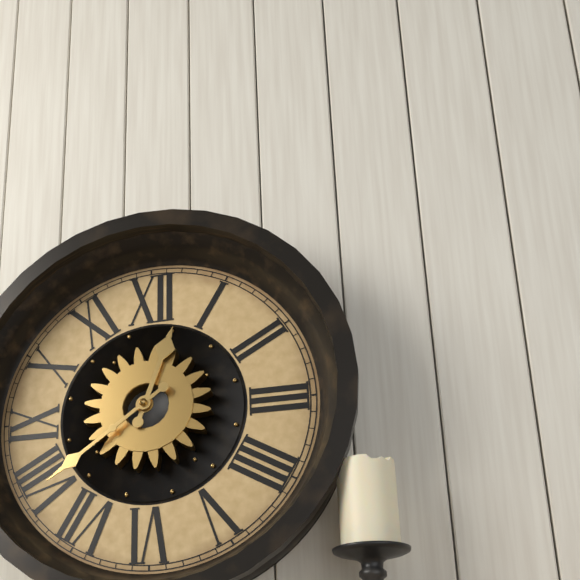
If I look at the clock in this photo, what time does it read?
12:39
